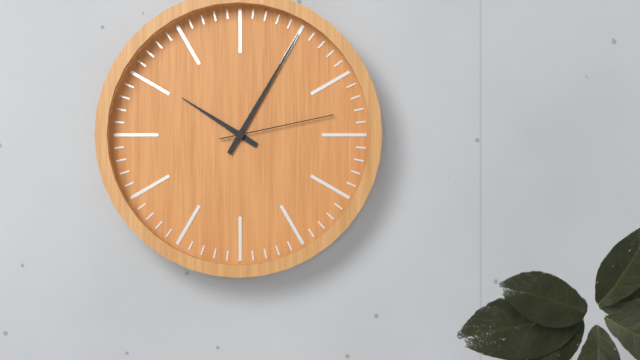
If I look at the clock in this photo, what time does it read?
10:05:13
